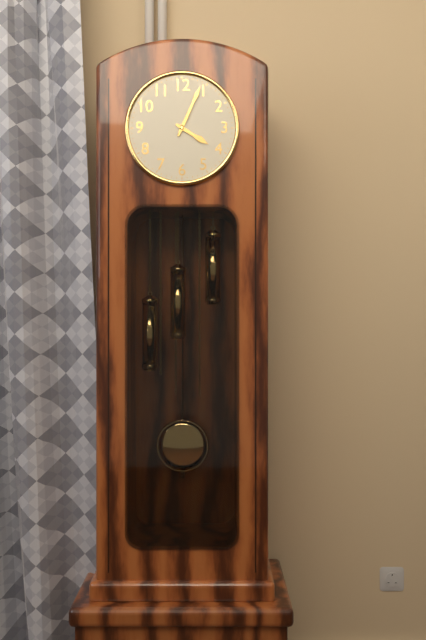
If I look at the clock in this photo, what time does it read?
4:04
